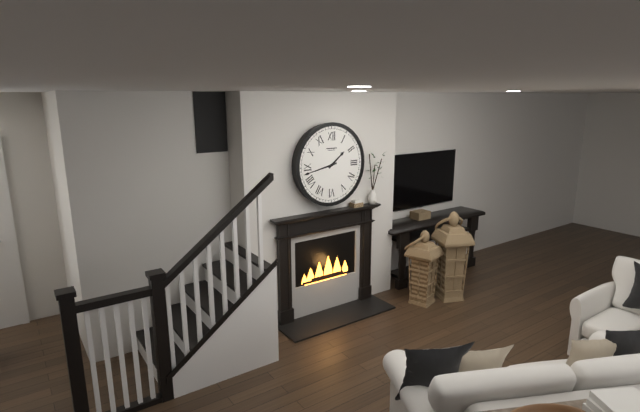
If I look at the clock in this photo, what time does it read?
1:43
